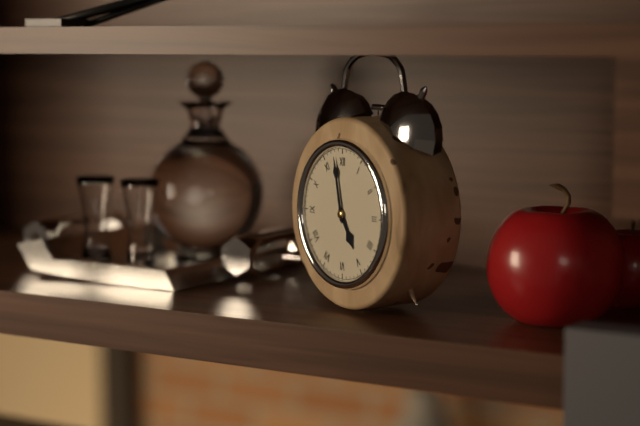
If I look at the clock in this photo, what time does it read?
4:58
